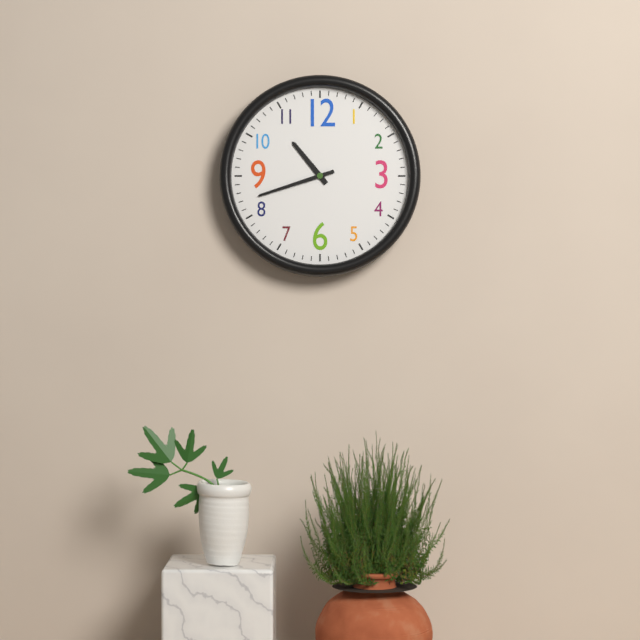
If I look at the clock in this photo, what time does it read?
10:42
